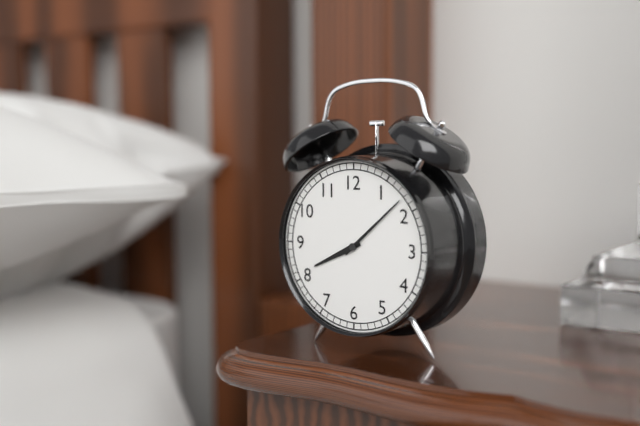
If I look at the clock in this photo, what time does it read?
8:08
